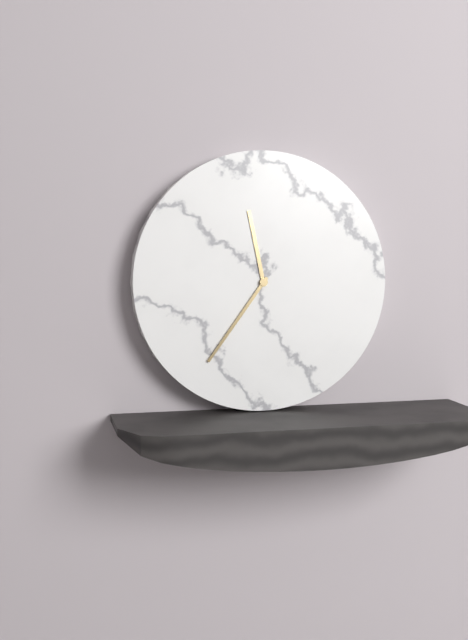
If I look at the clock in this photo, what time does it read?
11:36
